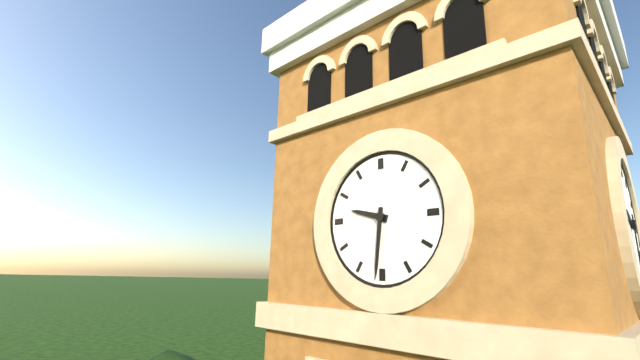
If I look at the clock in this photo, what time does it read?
9:31
